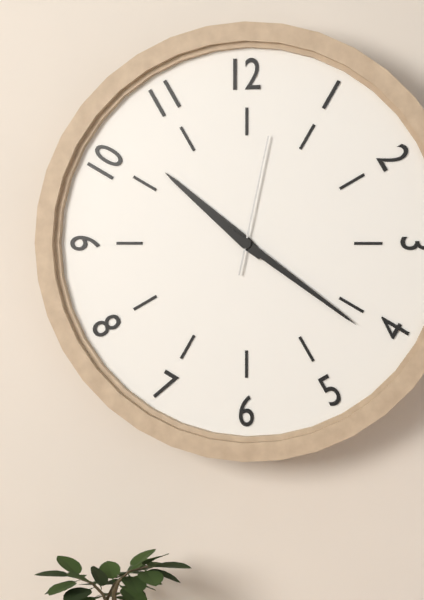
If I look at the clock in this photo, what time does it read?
10:21:02
